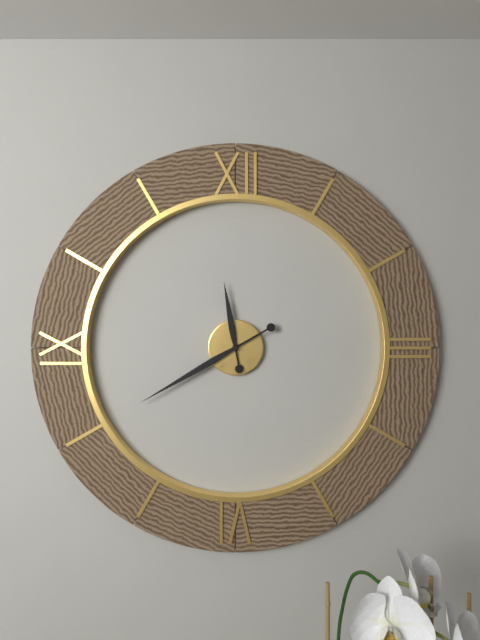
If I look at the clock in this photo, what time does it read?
11:40
